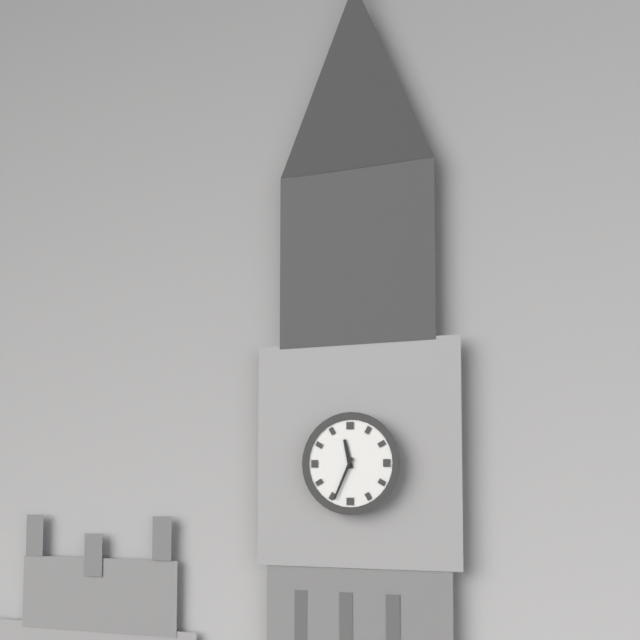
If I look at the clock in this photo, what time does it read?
11:34
